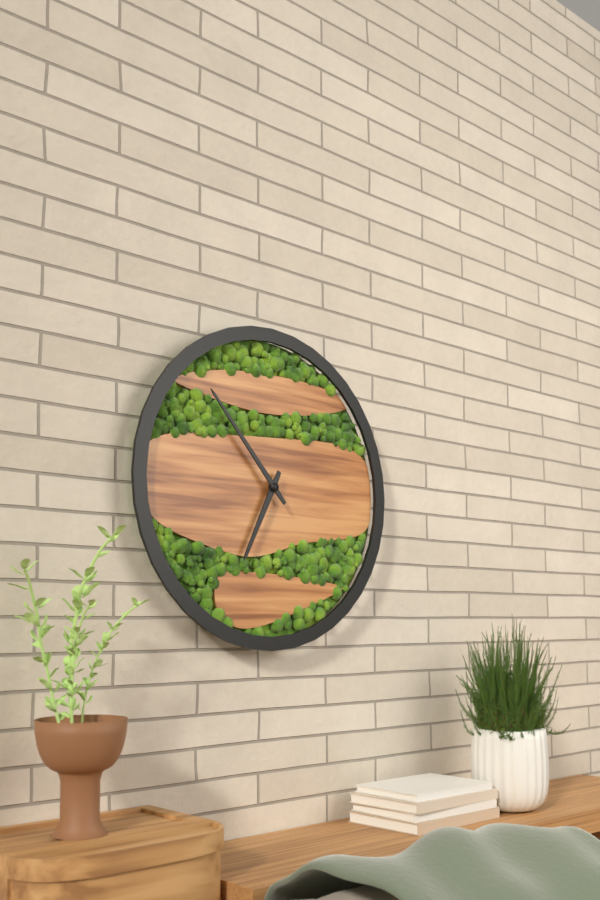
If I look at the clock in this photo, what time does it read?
6:53
